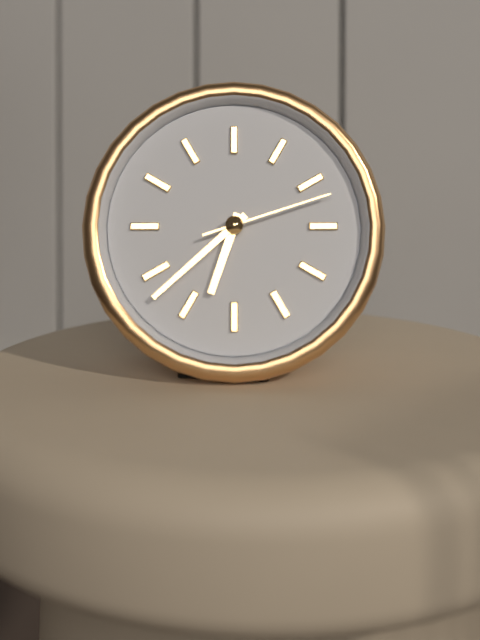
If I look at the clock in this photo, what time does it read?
6:38:12
